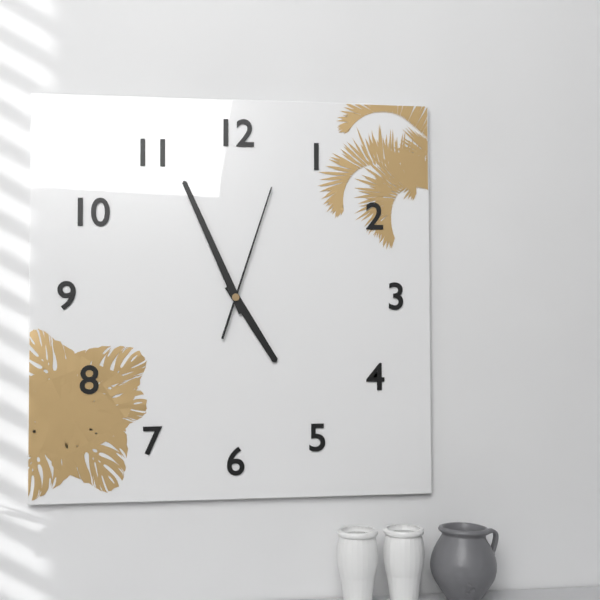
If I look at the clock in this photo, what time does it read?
4:56:03
